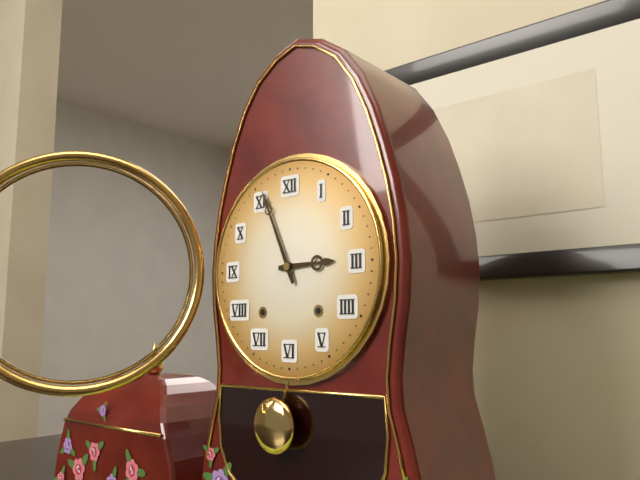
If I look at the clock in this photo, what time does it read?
2:56
